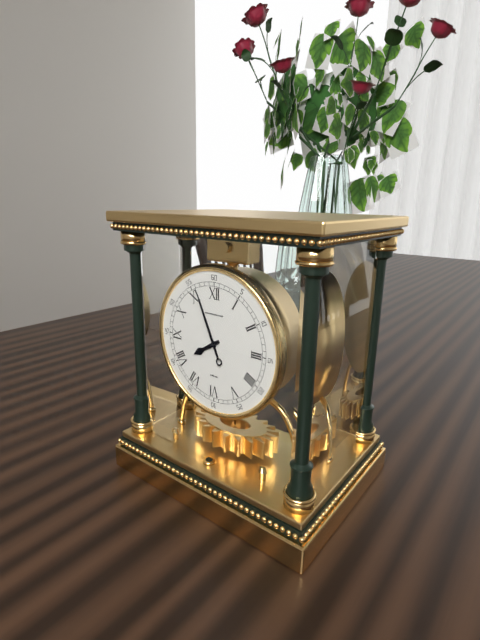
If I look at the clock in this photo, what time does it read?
7:56
